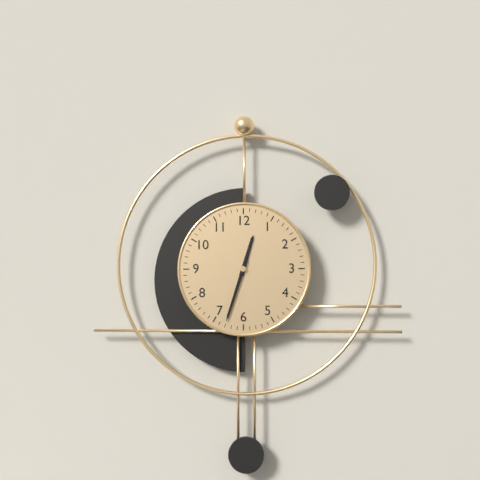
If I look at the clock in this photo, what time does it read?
12:33
